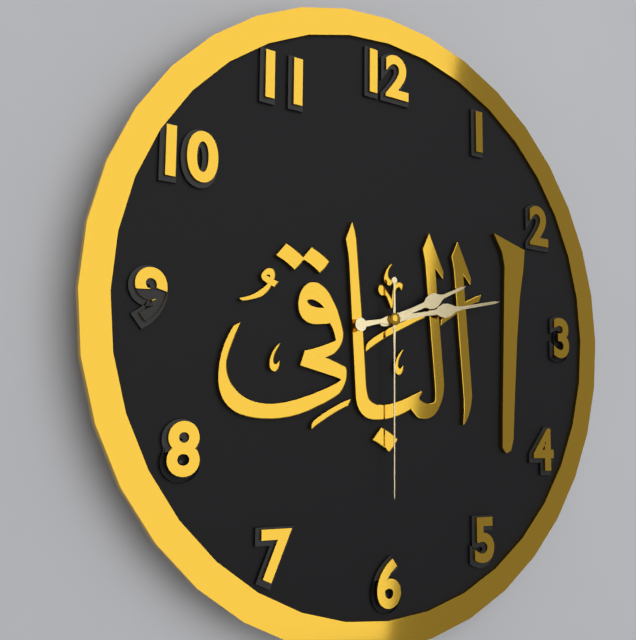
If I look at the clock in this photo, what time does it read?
2:13:30
